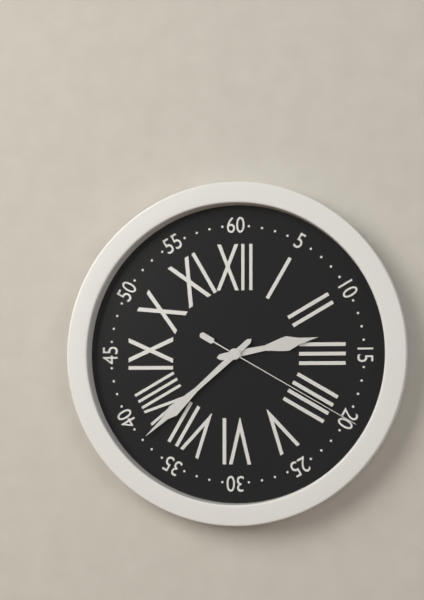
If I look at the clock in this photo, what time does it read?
2:38:20
